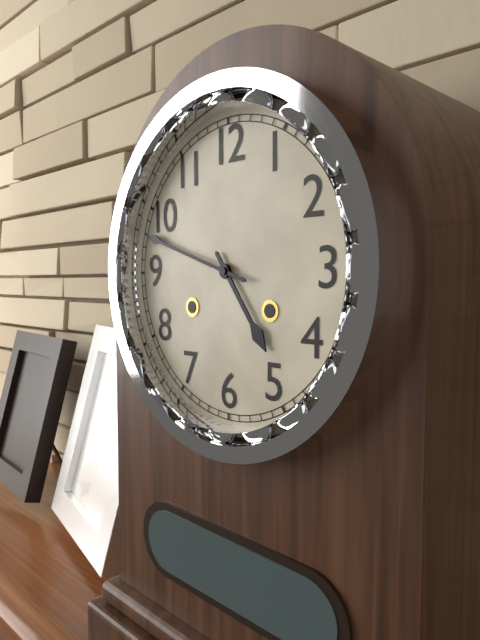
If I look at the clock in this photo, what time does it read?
4:48
